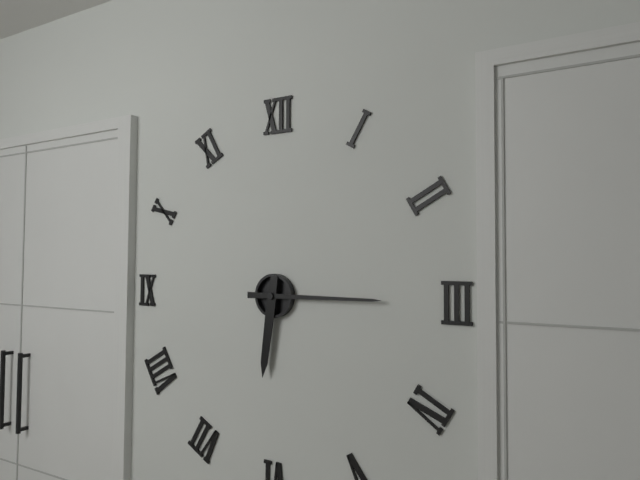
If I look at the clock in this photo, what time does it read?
6:15
